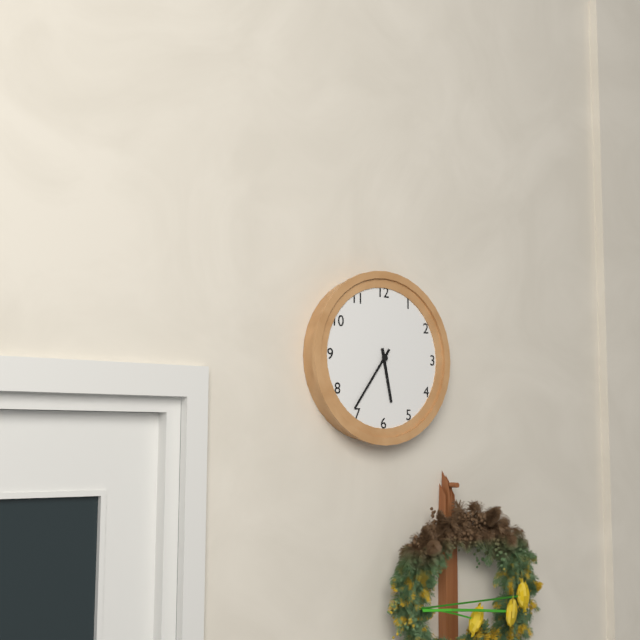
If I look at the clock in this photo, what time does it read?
5:36
